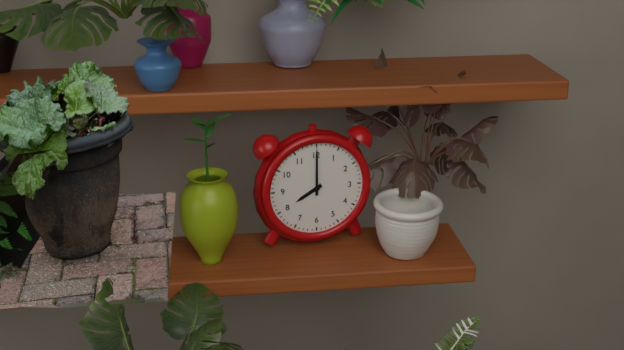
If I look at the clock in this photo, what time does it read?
8:00
